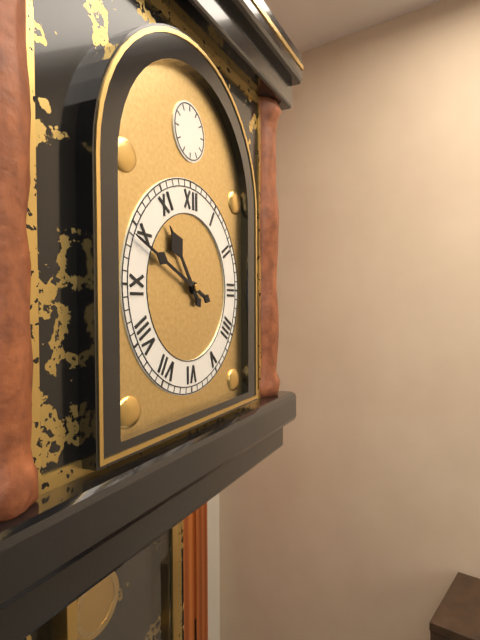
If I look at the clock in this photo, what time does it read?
10:49
